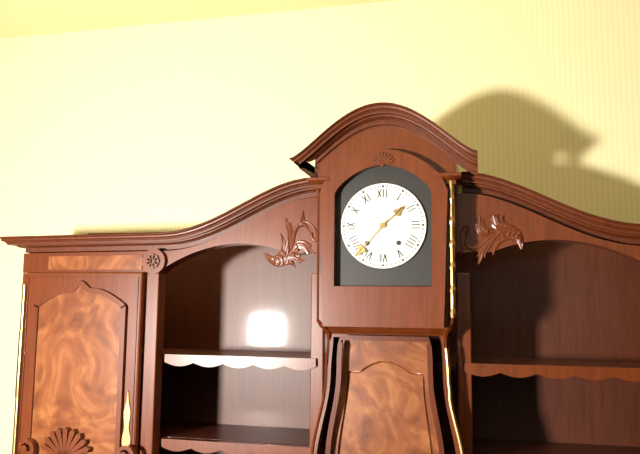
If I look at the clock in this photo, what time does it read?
1:37
